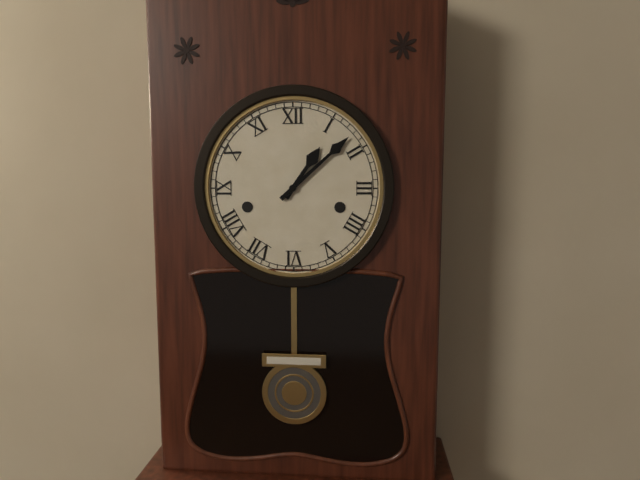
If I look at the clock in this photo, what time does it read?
1:08
